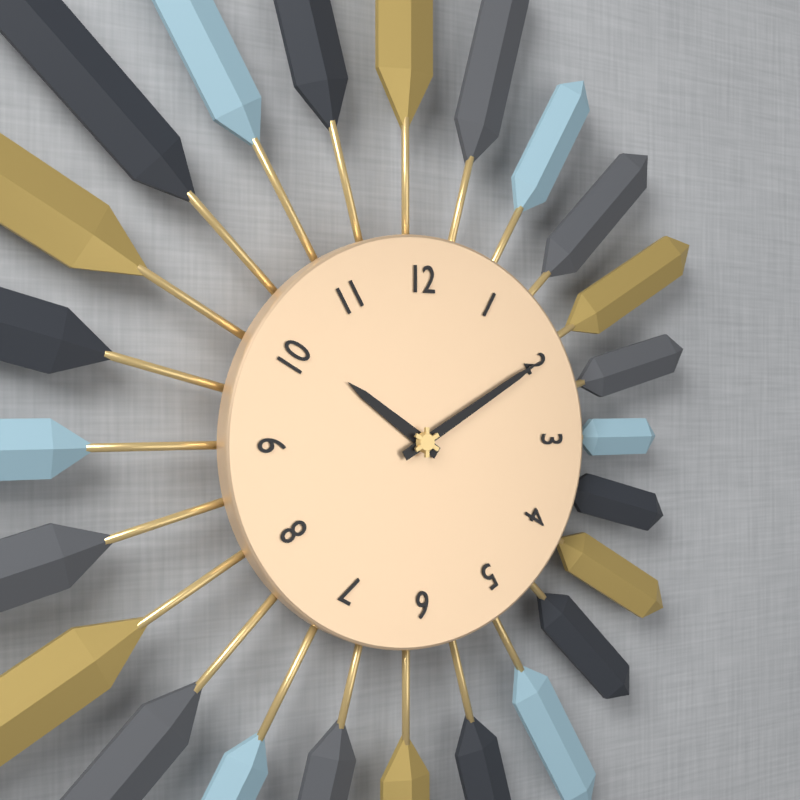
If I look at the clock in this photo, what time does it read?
10:10
